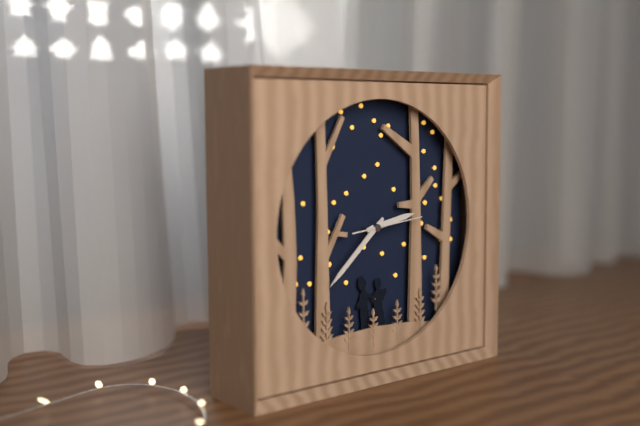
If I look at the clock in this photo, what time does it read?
2:38:14
